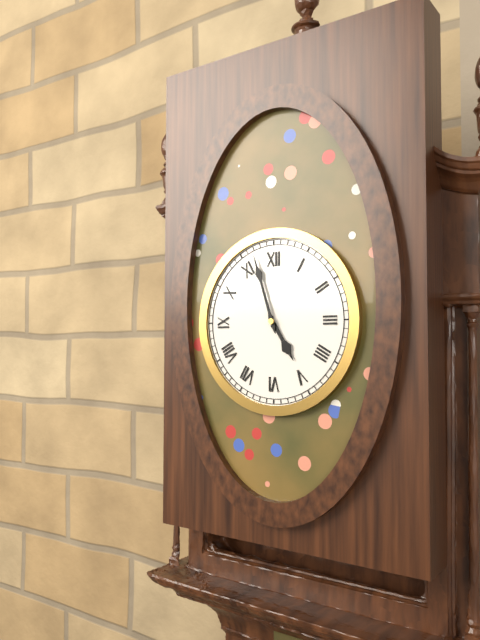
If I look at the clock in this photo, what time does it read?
4:57
